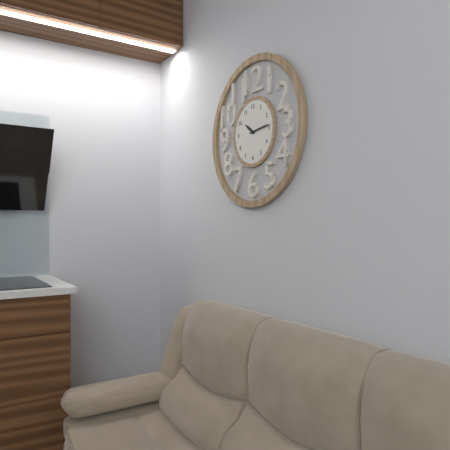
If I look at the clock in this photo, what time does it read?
10:14
